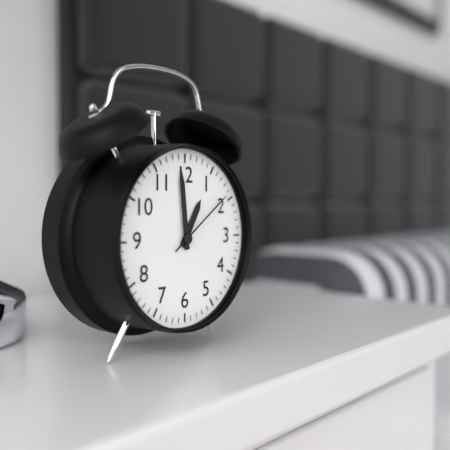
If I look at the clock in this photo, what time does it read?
12:59:09
